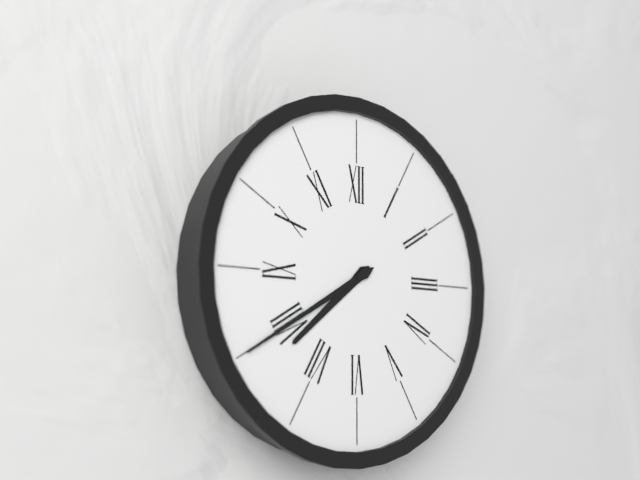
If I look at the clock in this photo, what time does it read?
7:40
